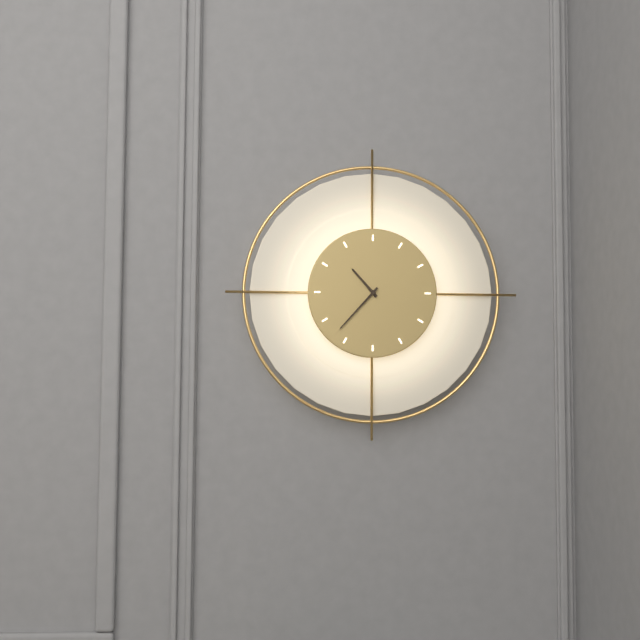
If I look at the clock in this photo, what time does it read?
10:37
